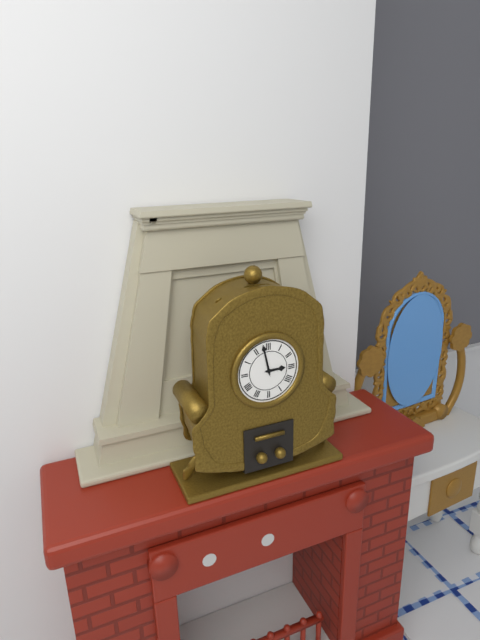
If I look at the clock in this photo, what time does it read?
2:58
